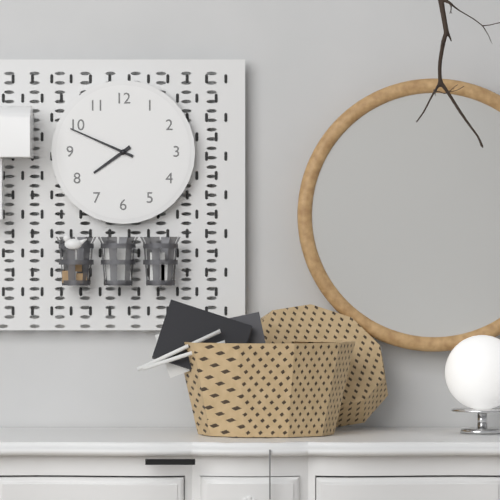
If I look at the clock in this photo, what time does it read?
7:49
